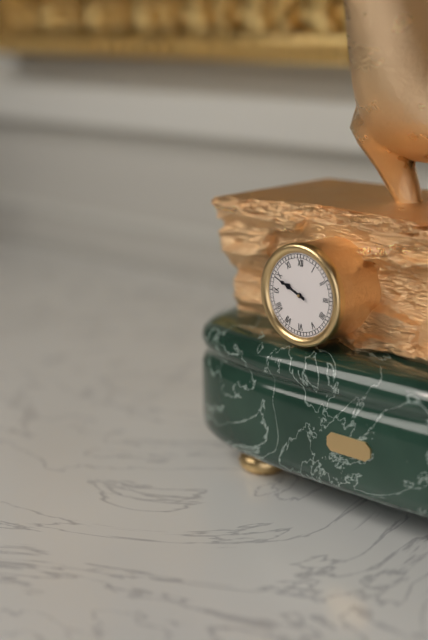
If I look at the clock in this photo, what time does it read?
9:49
